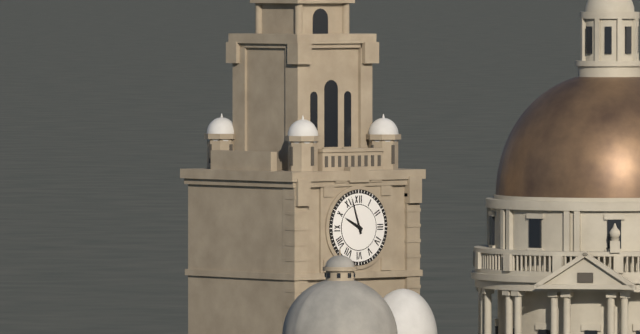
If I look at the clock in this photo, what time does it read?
9:57
